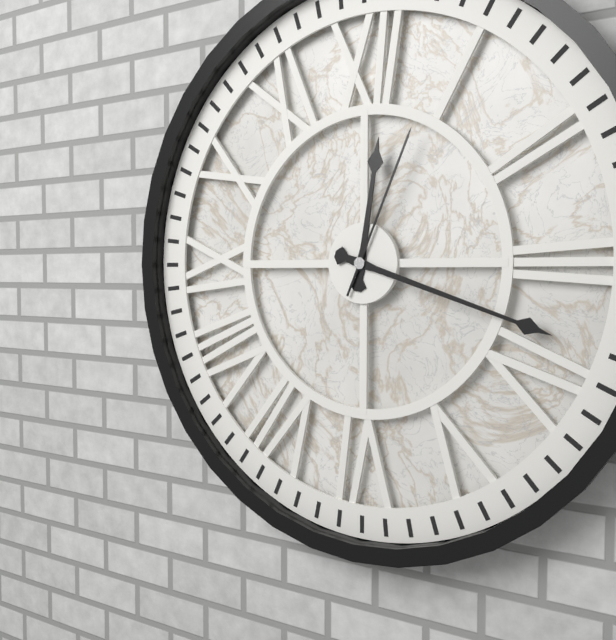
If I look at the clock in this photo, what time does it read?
12:18:04
